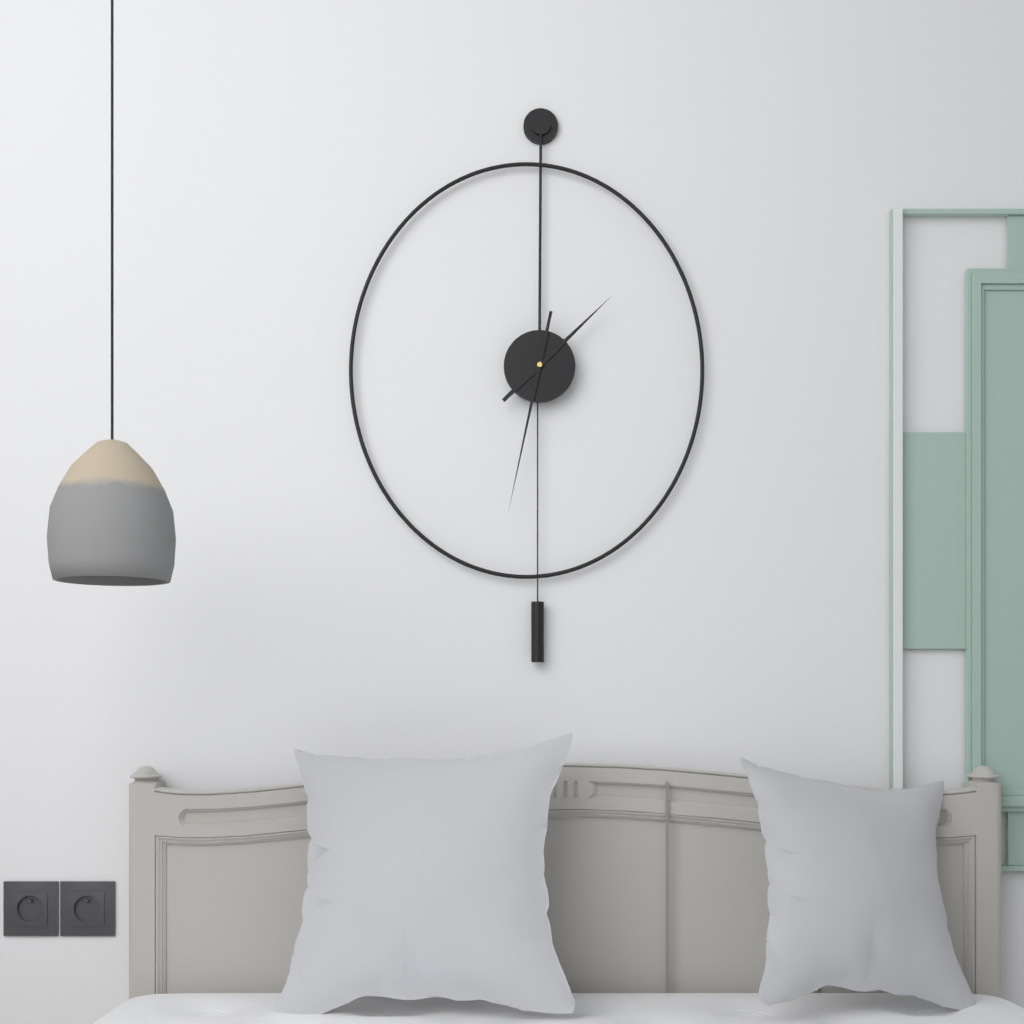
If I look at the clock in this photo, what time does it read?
1:32
